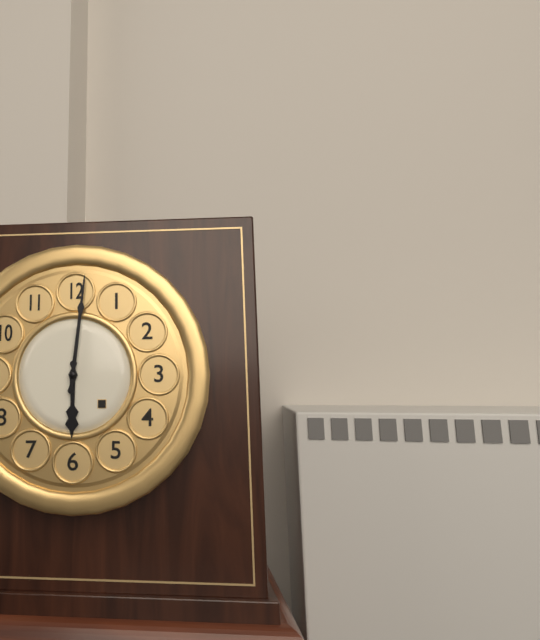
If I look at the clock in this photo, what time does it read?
6:01
